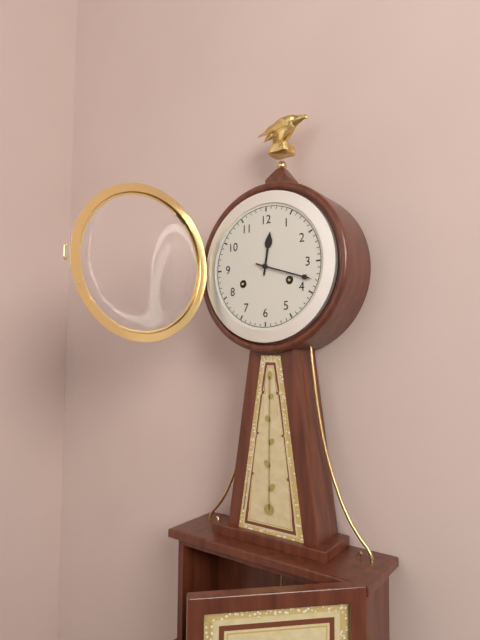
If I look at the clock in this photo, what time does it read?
12:18
